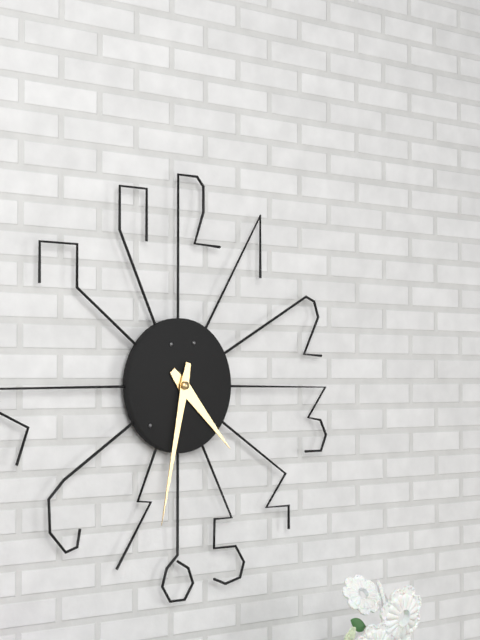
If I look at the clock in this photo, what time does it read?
4:32
